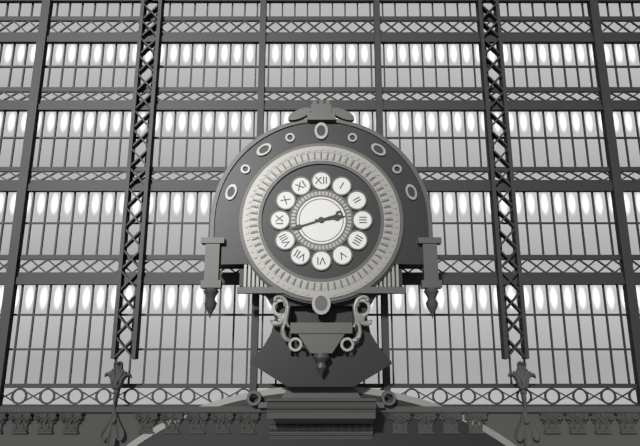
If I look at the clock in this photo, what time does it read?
2:42
